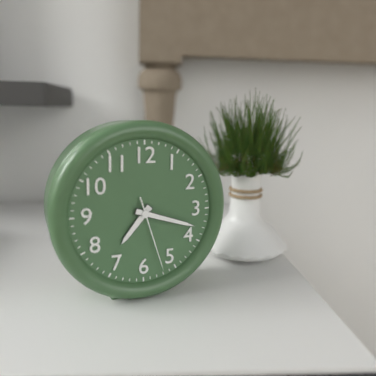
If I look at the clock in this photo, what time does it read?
7:18:27
